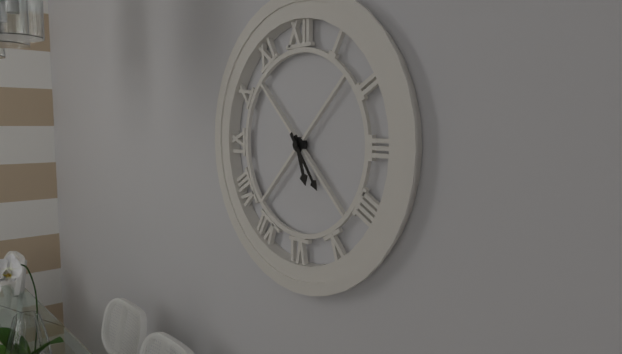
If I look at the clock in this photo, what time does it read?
5:24
